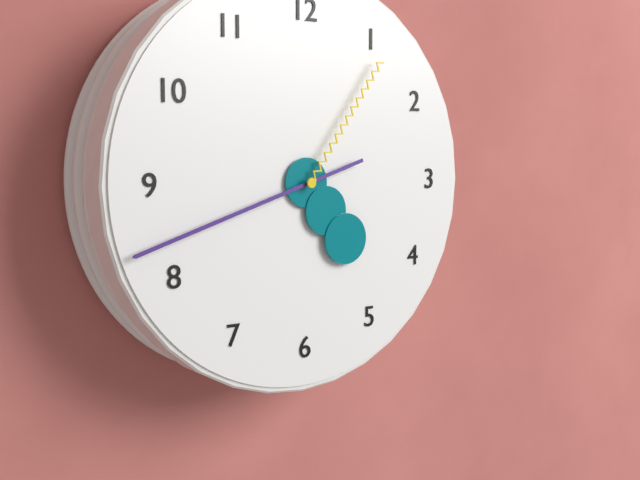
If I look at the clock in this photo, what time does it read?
4:42:06
